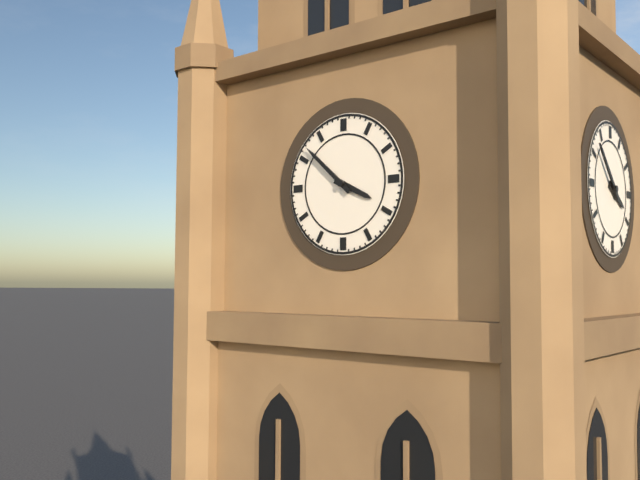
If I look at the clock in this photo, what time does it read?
3:52
